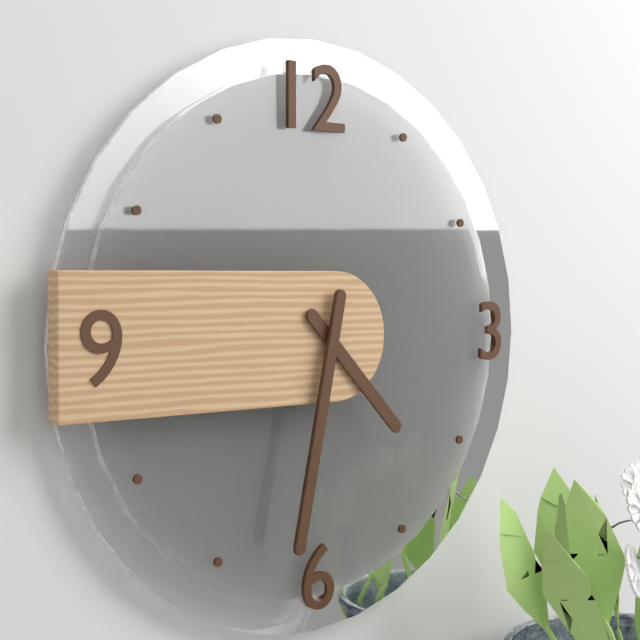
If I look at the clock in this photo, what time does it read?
4:32
